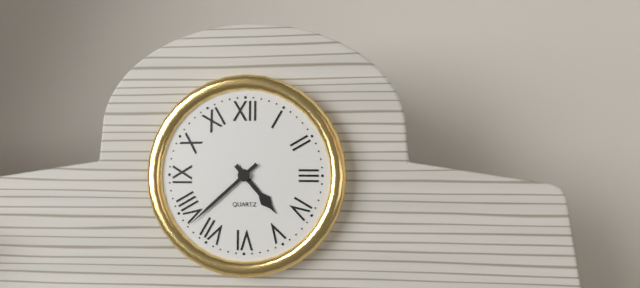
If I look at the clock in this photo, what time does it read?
4:38
